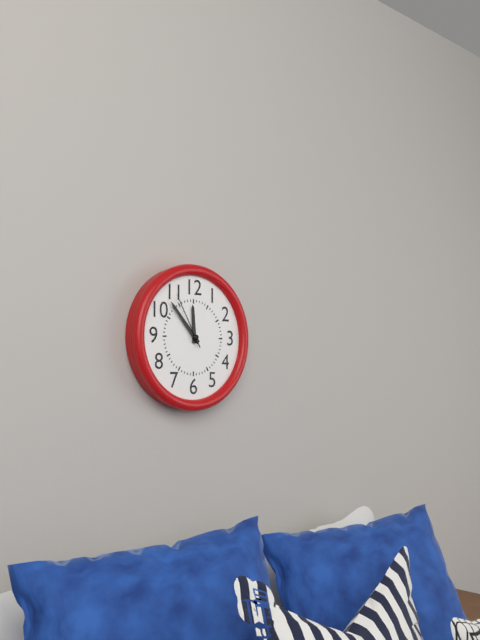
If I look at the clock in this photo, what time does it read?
11:53:55
